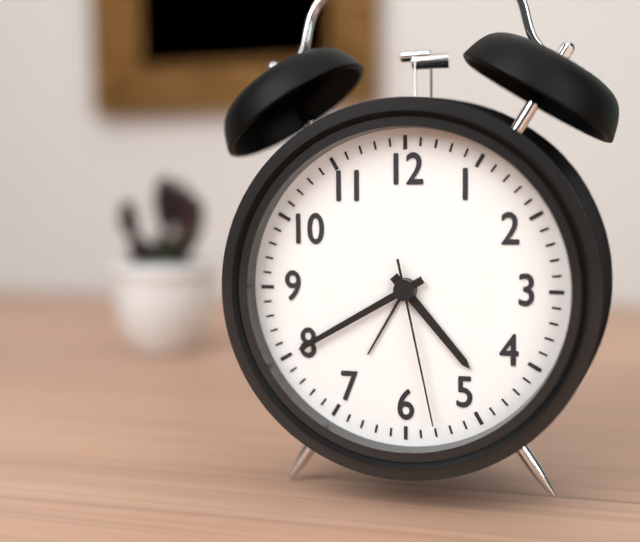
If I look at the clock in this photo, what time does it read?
4:40:28
